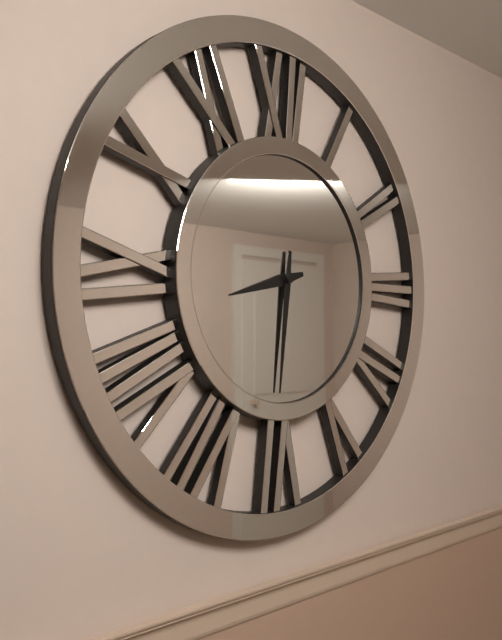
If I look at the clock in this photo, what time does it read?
8:31
